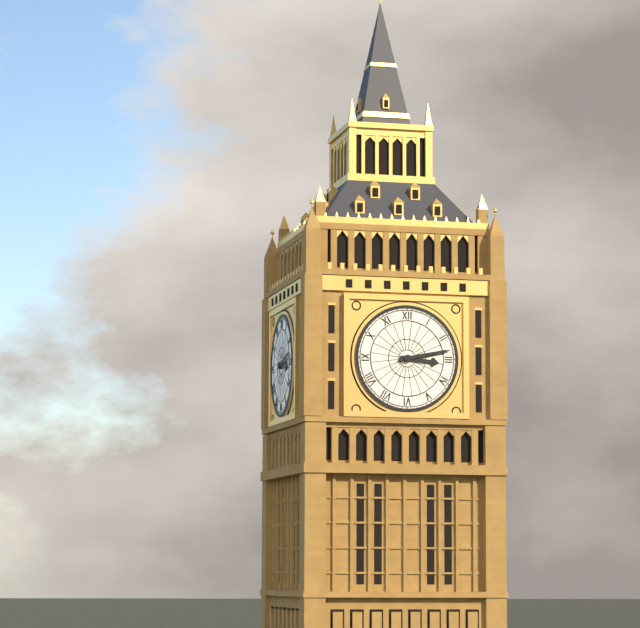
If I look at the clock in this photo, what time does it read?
3:13
